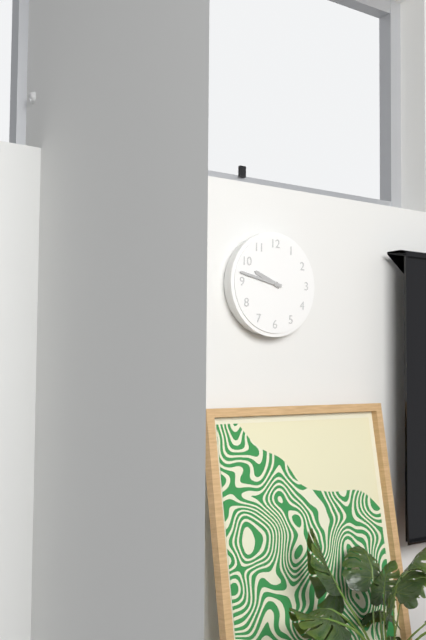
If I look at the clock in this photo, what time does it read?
9:47
